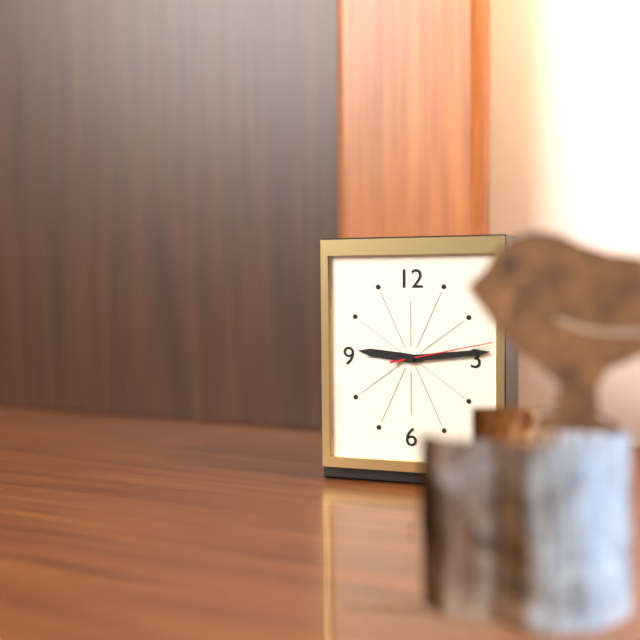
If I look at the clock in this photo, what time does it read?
9:14:13
